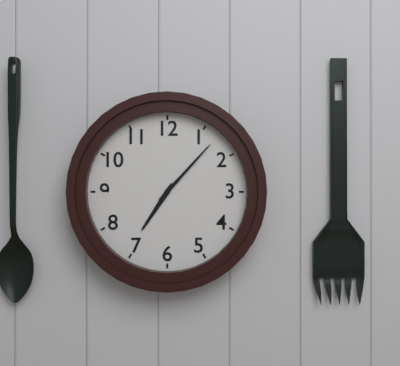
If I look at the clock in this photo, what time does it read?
7:07
